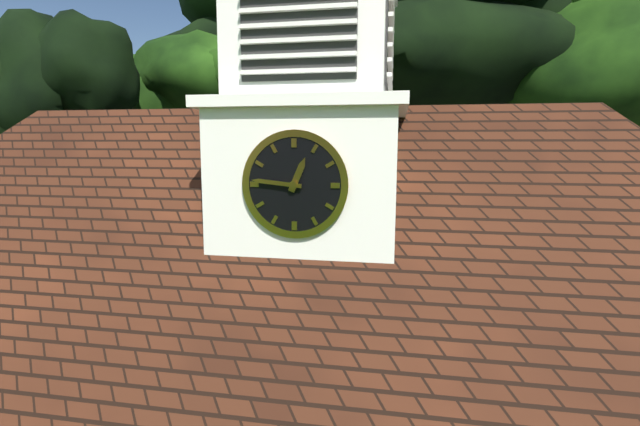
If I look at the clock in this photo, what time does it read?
12:46
